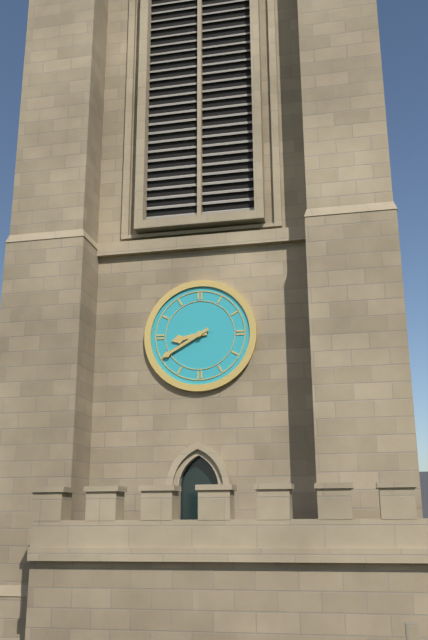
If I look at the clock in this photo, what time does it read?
8:40
